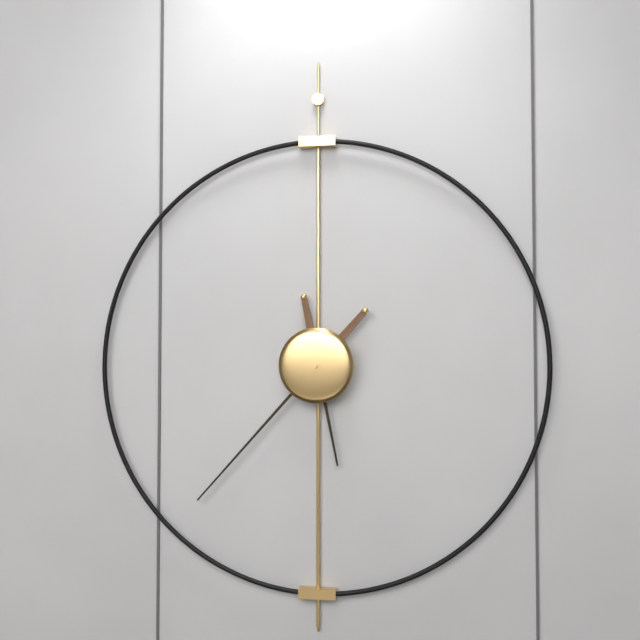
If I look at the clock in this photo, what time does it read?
5:37
